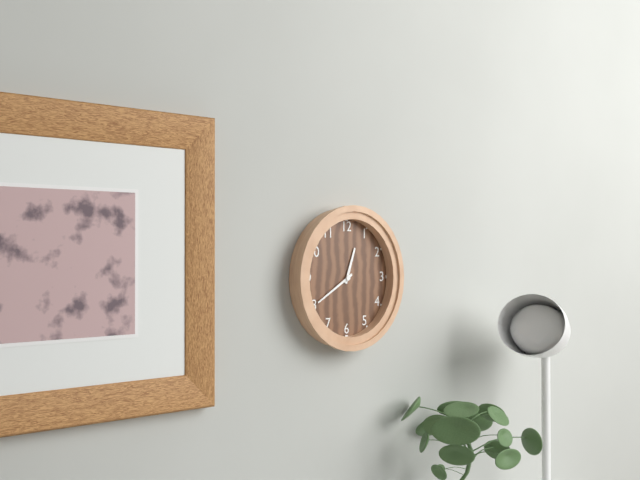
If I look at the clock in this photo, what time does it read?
12:40
